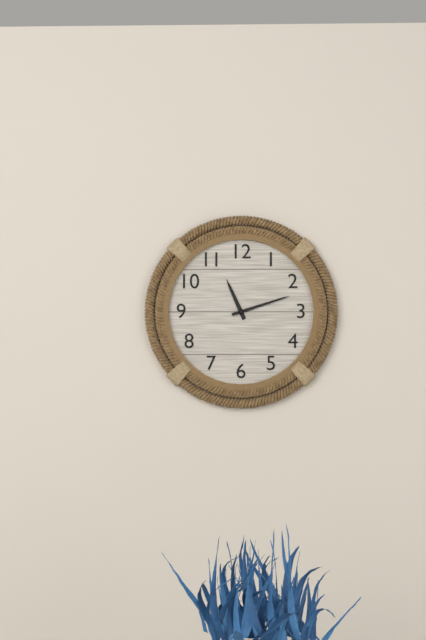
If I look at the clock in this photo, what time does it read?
11:12
